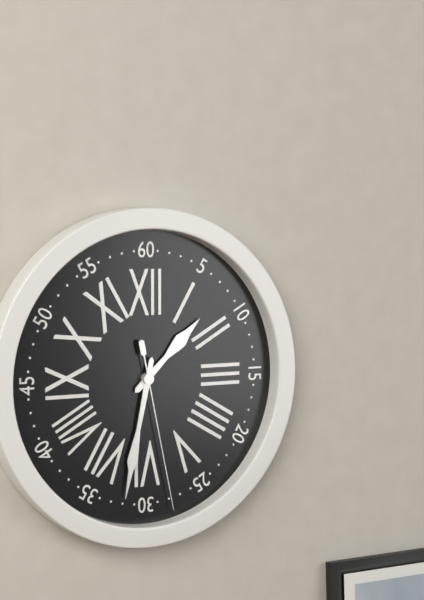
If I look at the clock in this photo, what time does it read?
1:32:28
